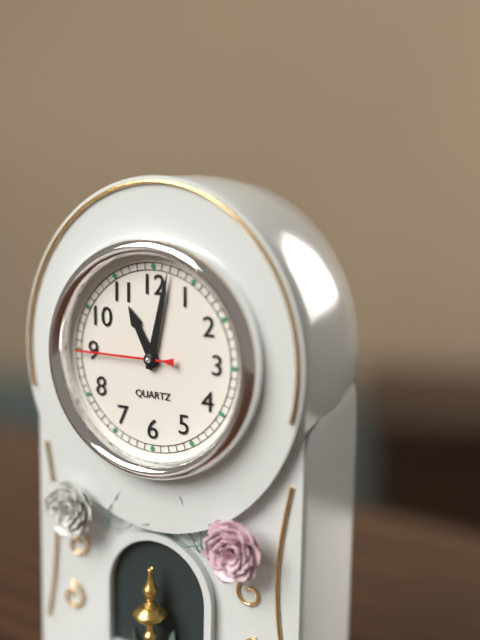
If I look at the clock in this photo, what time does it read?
11:02:45
